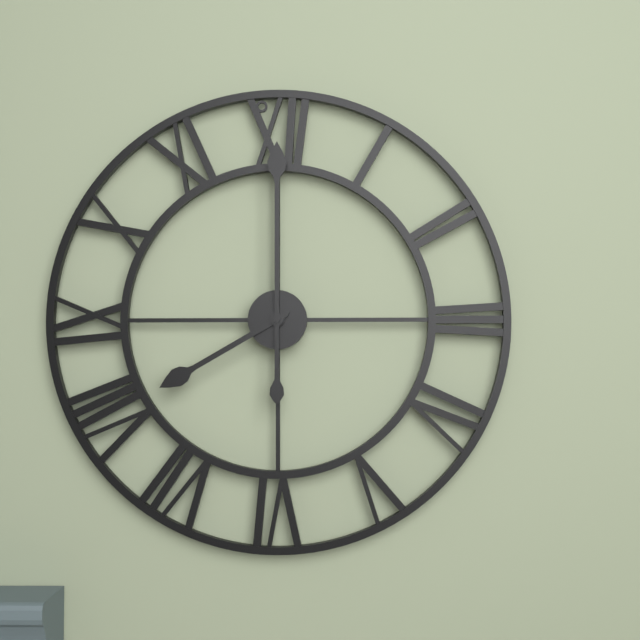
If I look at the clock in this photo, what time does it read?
8:00
